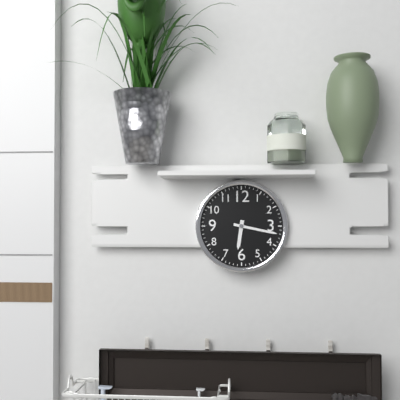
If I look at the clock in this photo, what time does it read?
6:17
